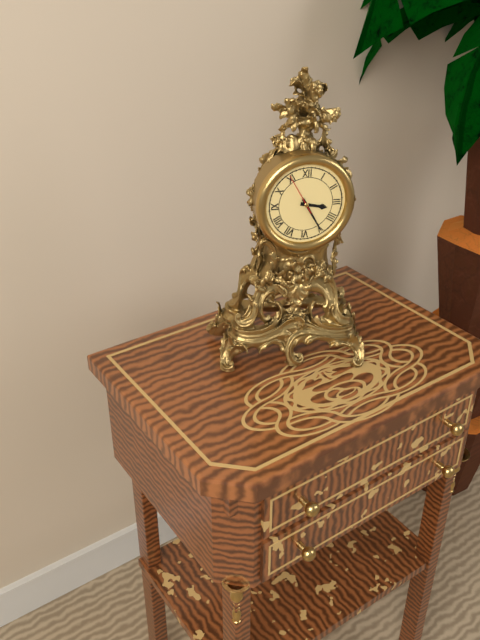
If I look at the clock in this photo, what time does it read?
3:25
